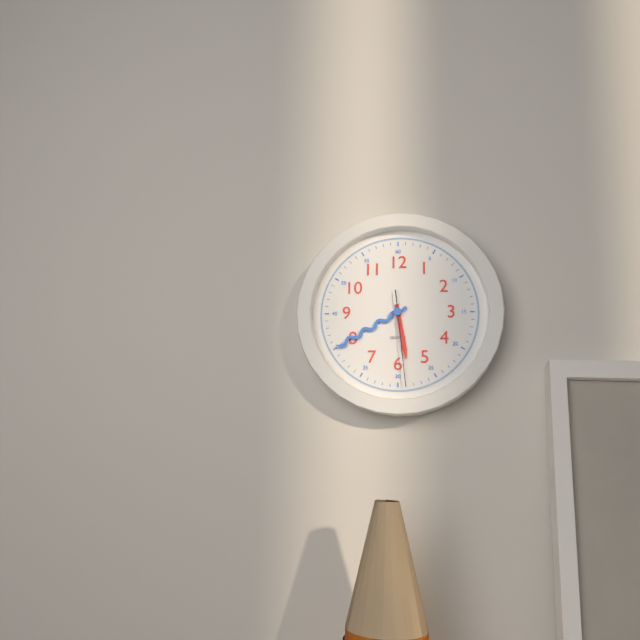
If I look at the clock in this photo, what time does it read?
5:40:29
